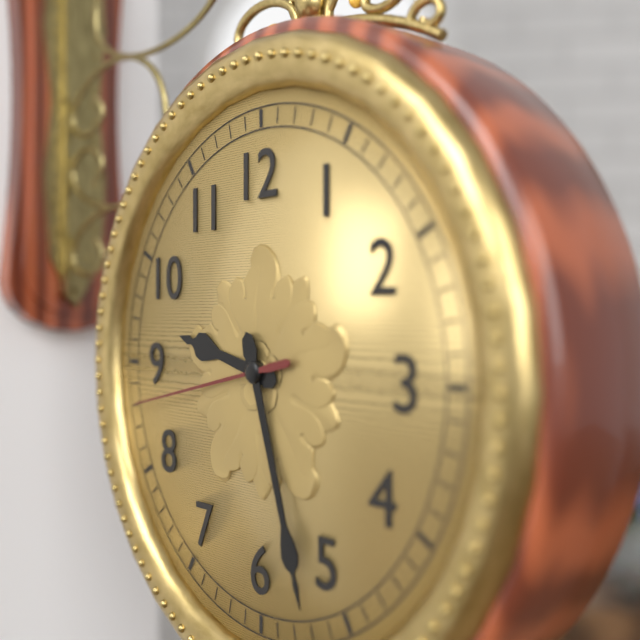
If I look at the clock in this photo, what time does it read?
9:27:43
